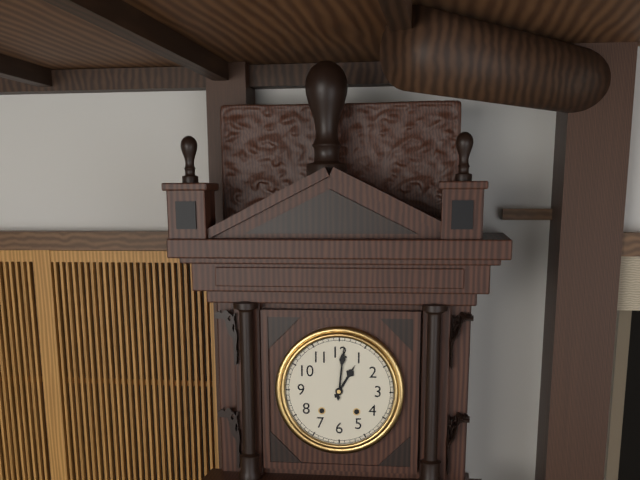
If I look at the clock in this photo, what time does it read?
1:01
